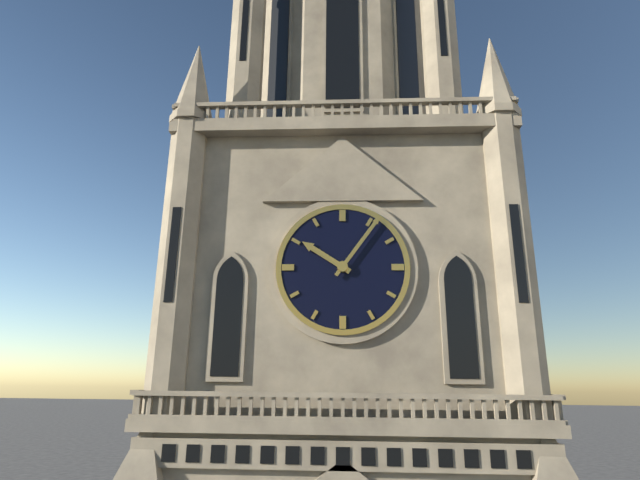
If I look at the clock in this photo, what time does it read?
10:06
